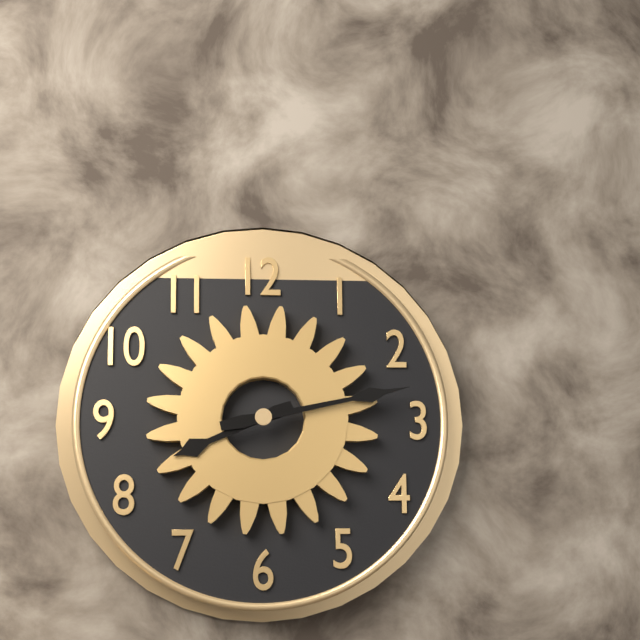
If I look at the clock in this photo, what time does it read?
8:13
